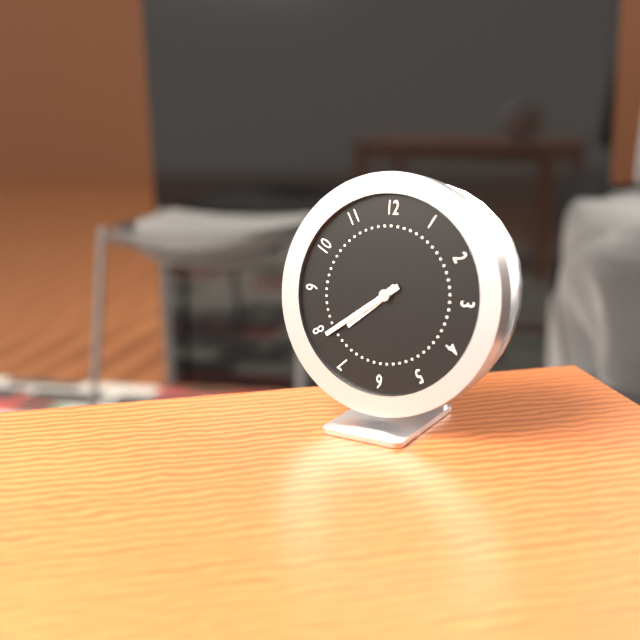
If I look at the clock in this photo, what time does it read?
7:39
